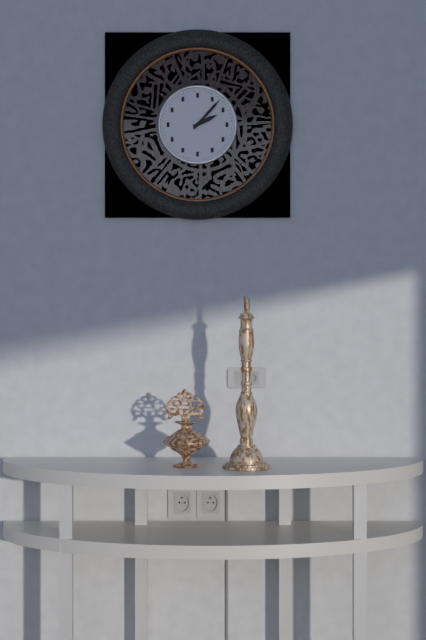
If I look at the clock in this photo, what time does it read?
2:07
